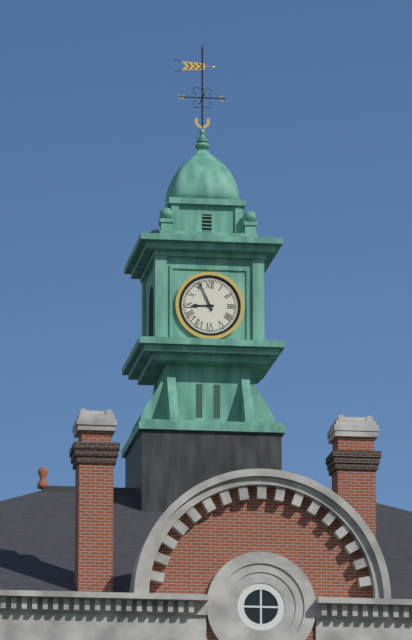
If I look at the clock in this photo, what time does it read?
8:56
